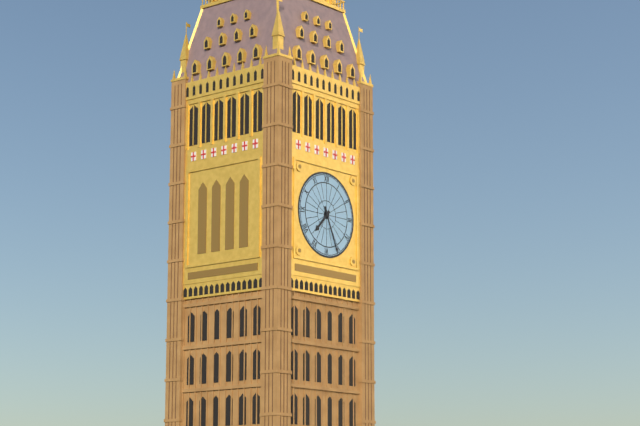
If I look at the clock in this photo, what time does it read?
7:26
